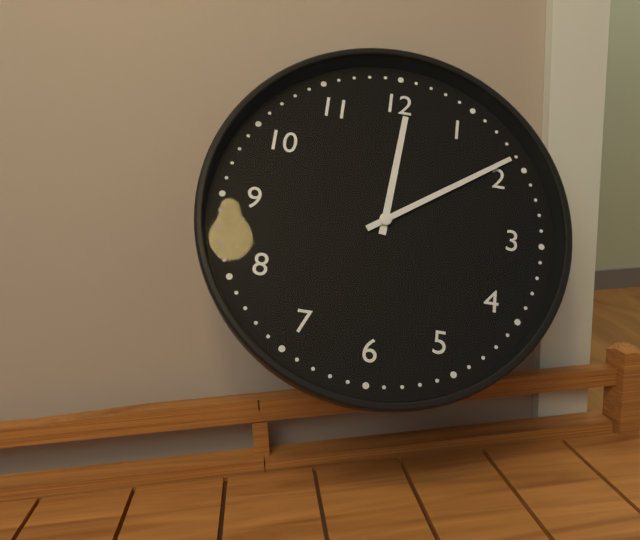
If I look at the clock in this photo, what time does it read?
12:09
